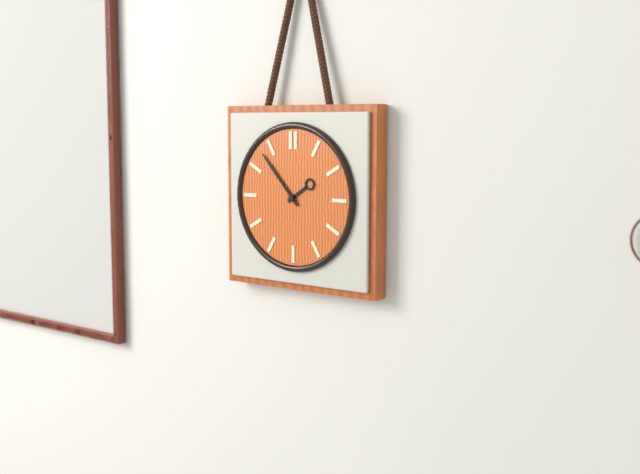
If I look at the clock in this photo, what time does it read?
1:53
